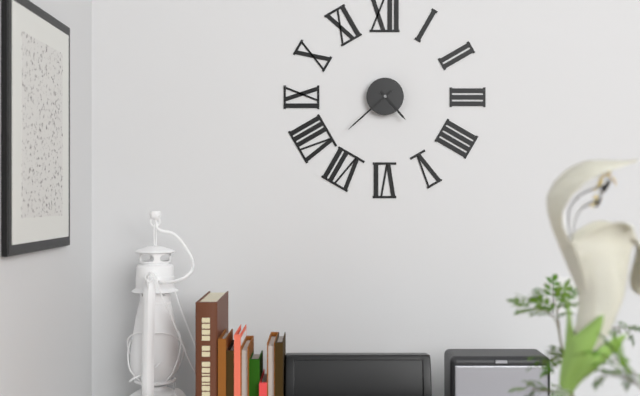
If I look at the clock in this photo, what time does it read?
4:38
